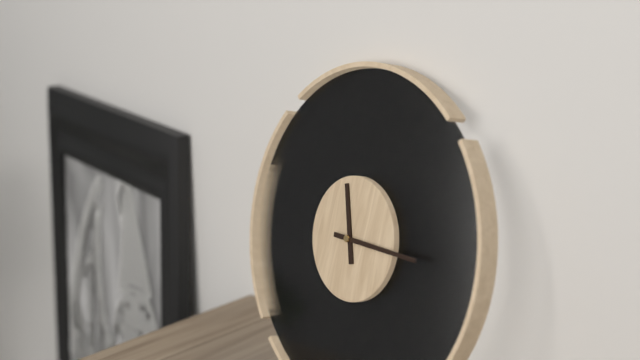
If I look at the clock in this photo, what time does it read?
11:14
